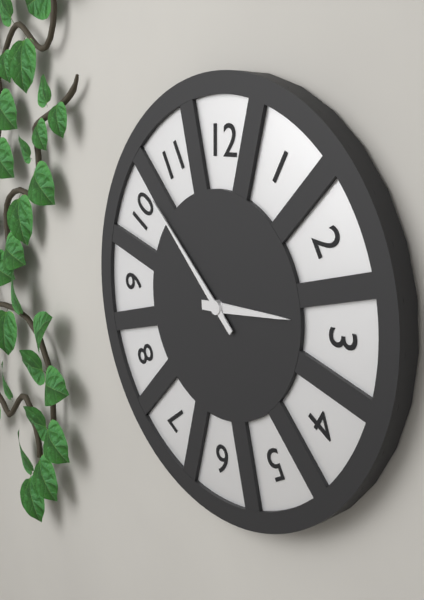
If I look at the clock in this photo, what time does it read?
2:52
